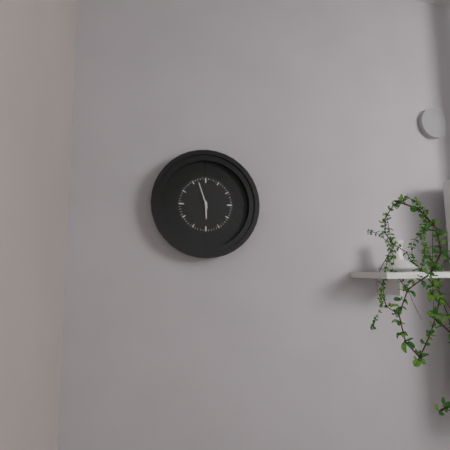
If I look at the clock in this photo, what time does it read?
5:57
